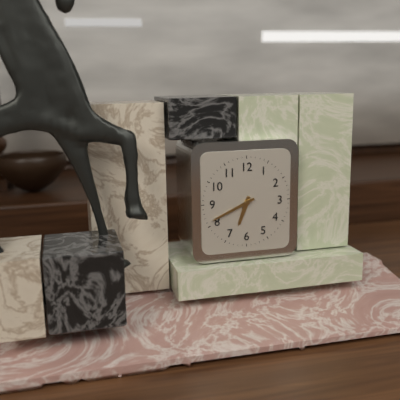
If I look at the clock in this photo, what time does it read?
6:41
